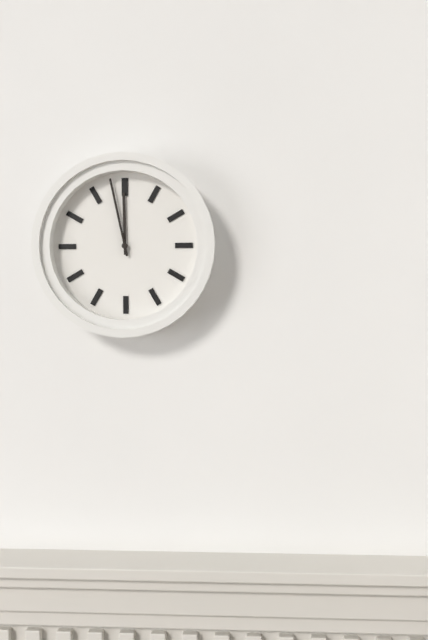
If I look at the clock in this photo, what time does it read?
11:58
